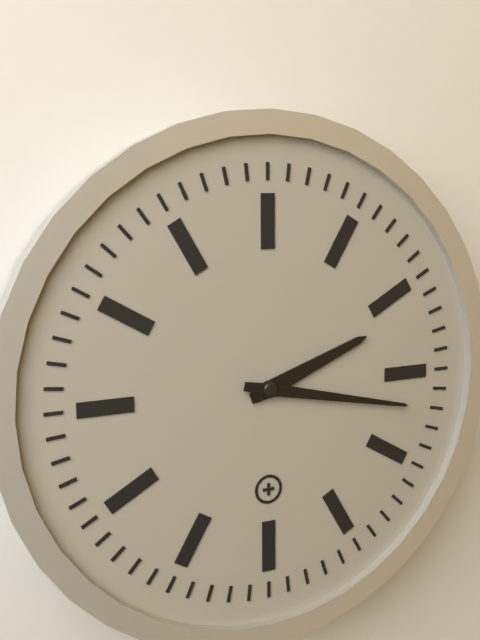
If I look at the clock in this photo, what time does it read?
2:17
